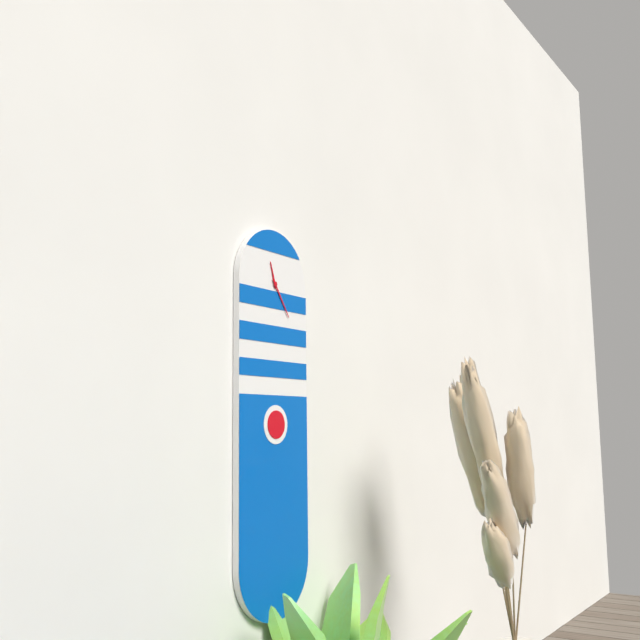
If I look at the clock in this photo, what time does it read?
11:24
